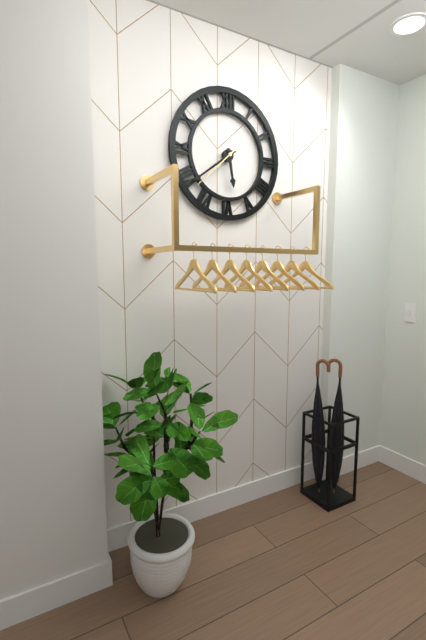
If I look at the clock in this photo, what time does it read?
5:39
